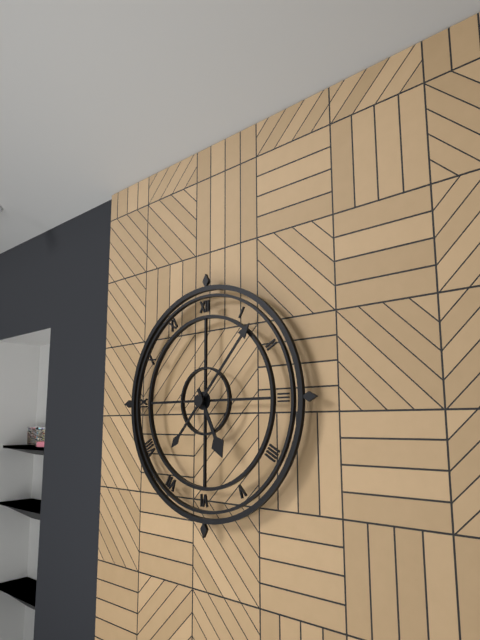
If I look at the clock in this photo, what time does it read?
5:07
